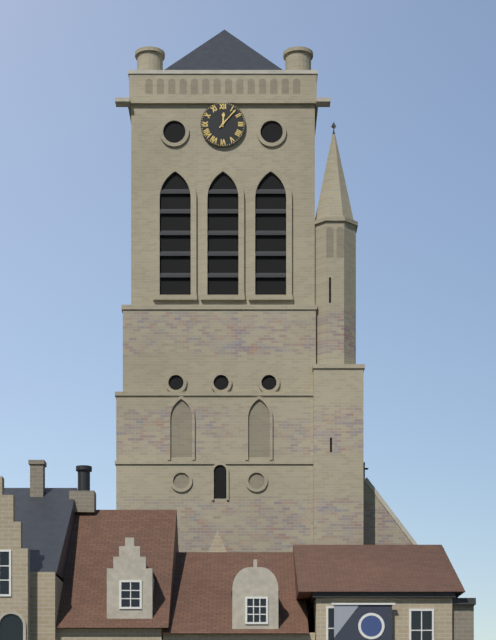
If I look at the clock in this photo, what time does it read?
12:07
